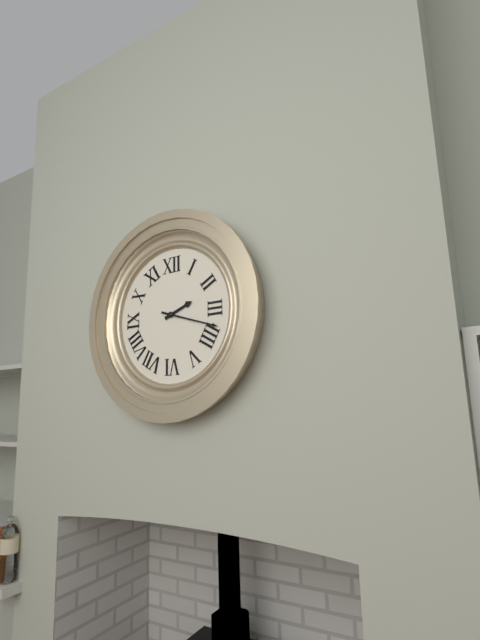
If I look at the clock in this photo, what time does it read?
2:18
